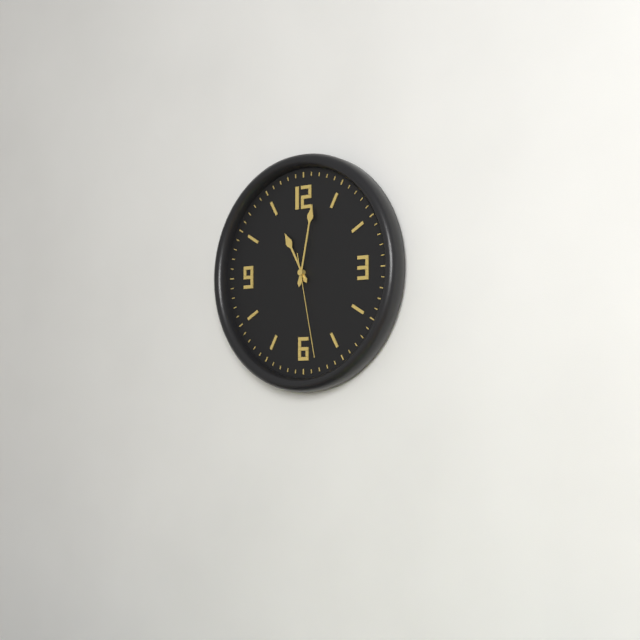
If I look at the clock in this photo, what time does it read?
11:02:28
